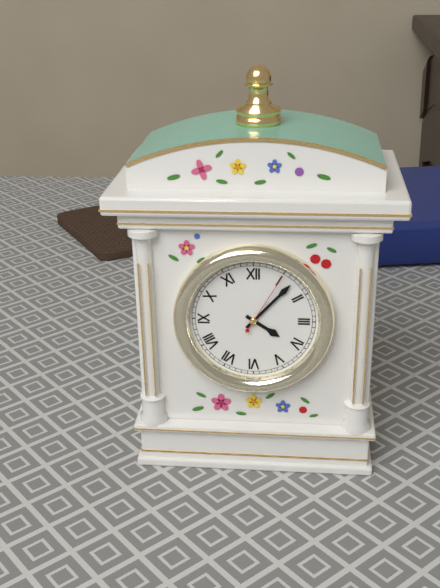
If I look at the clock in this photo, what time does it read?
4:07:05
